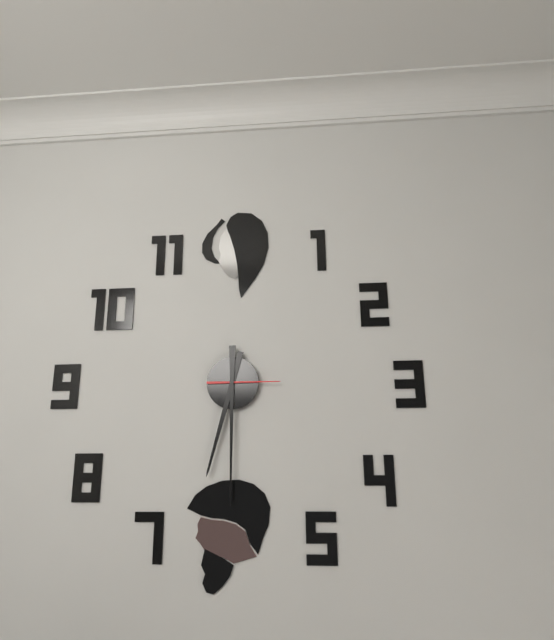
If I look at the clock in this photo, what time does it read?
6:30:15
